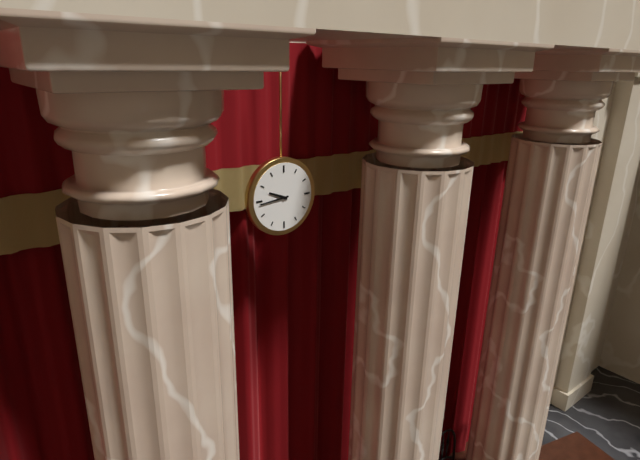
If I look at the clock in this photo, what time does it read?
9:44
